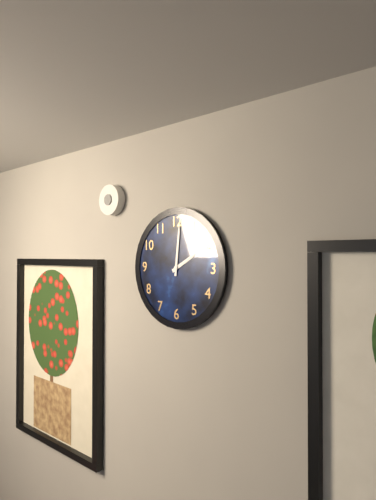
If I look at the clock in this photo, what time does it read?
2:01
